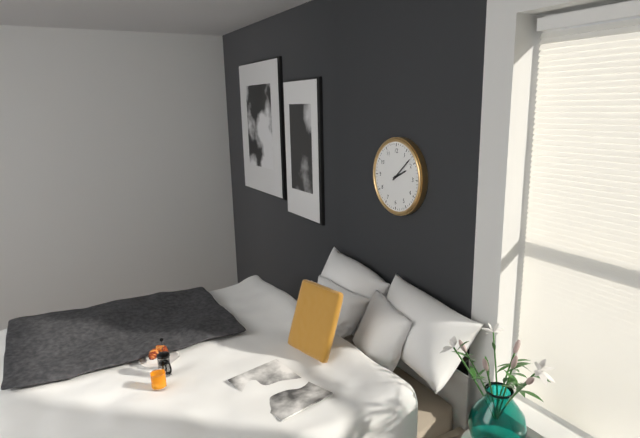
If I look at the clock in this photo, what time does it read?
2:08
